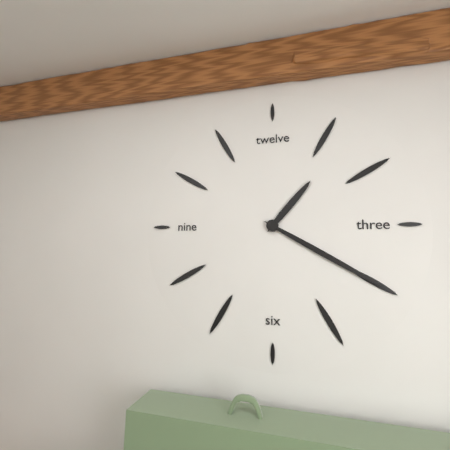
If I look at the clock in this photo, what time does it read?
1:20
